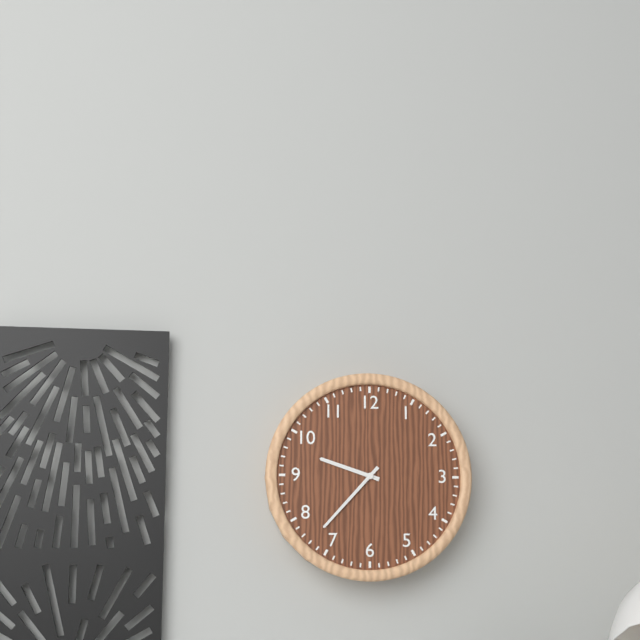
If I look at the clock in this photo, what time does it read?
9:37
